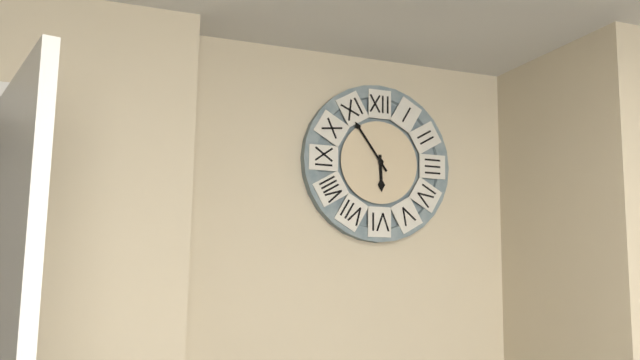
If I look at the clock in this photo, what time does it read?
5:54
